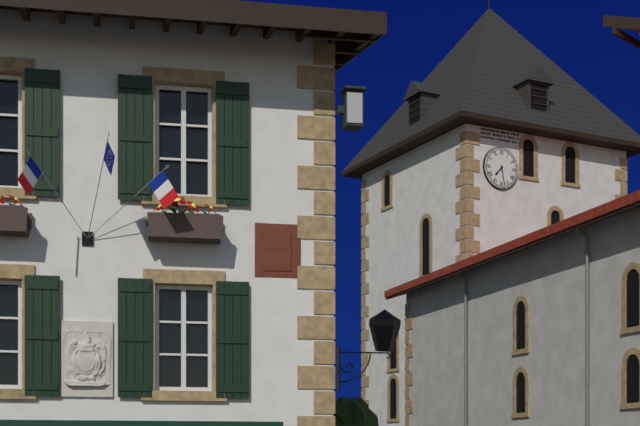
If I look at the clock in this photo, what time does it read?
7:28
